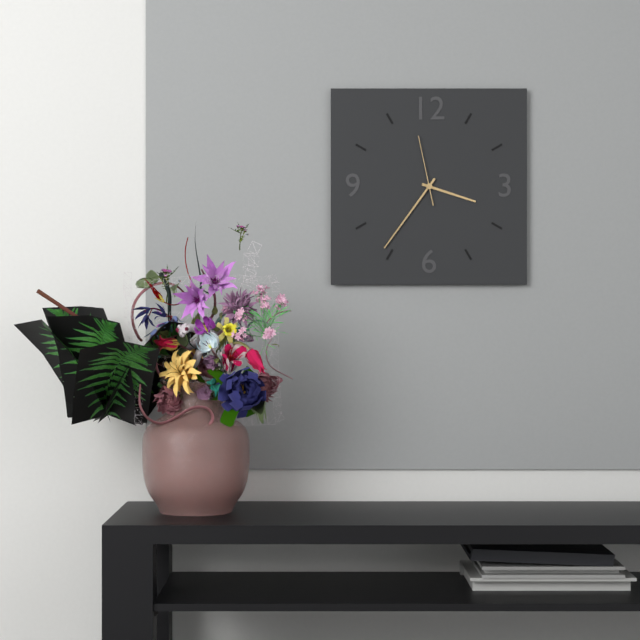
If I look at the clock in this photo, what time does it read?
3:36:58
